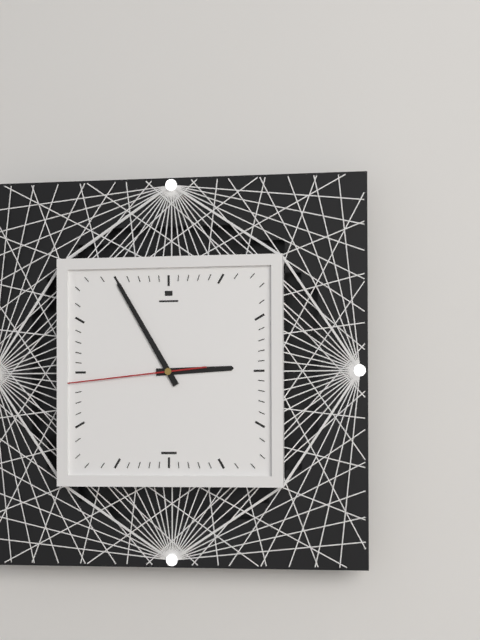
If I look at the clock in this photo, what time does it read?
2:55:44
